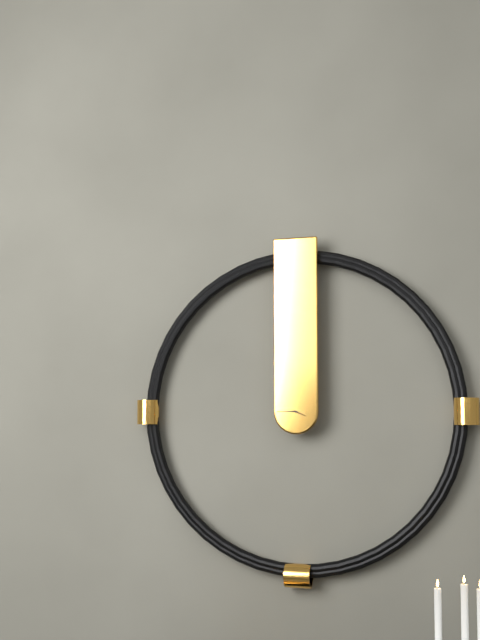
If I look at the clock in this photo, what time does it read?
3:45
